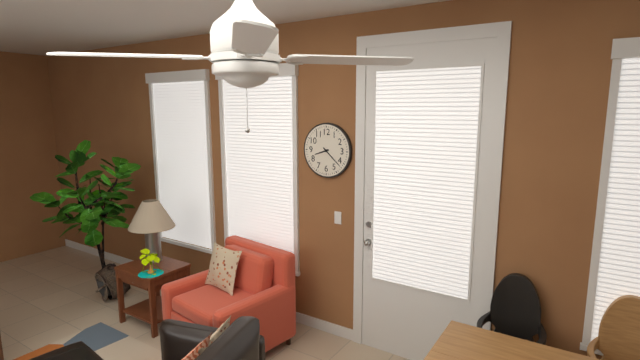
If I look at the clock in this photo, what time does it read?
8:22
